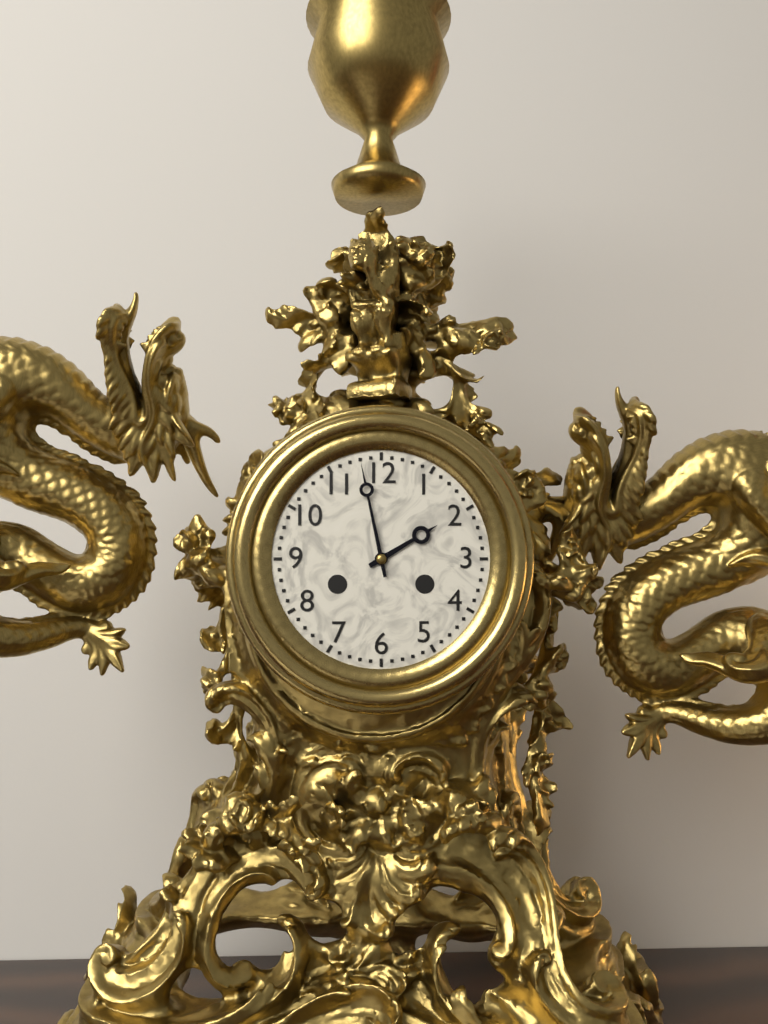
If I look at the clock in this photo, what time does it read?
1:58
